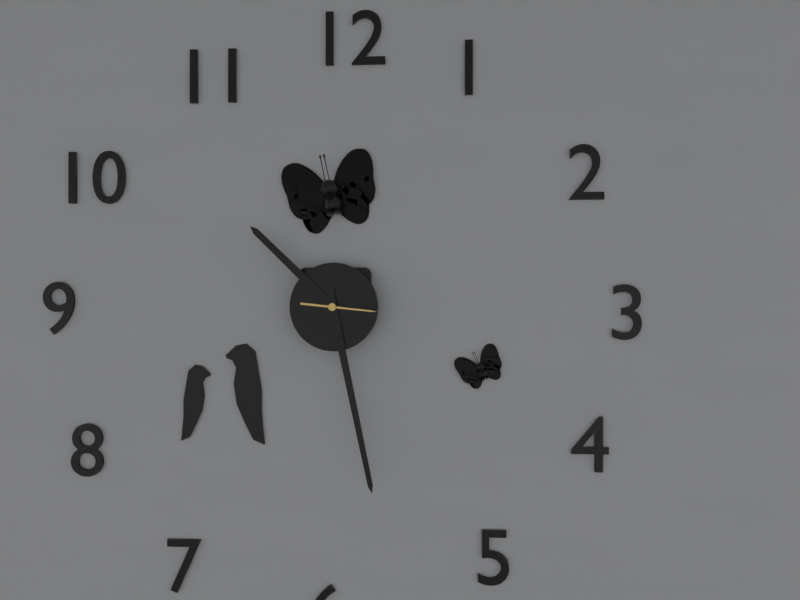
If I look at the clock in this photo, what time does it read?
10:28:16
